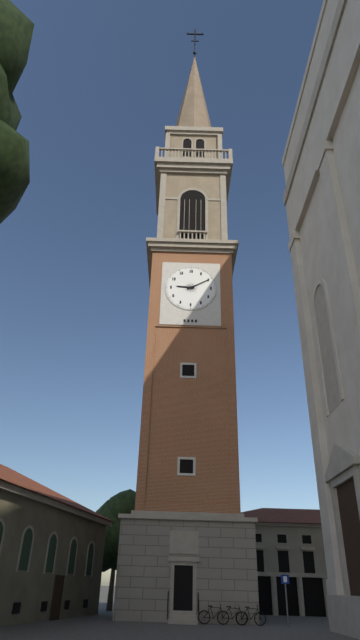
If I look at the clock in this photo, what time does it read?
9:10
